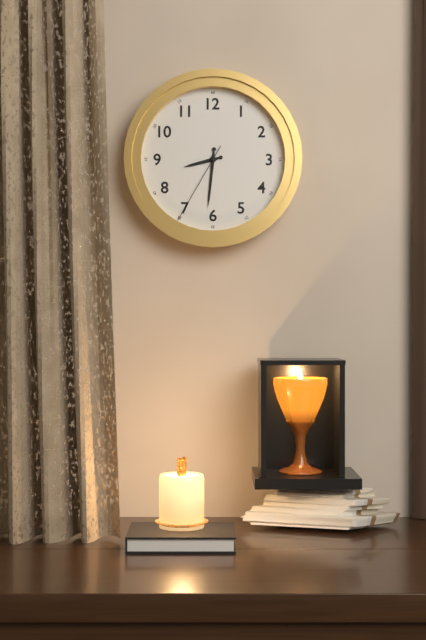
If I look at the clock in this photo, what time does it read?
8:31:35
